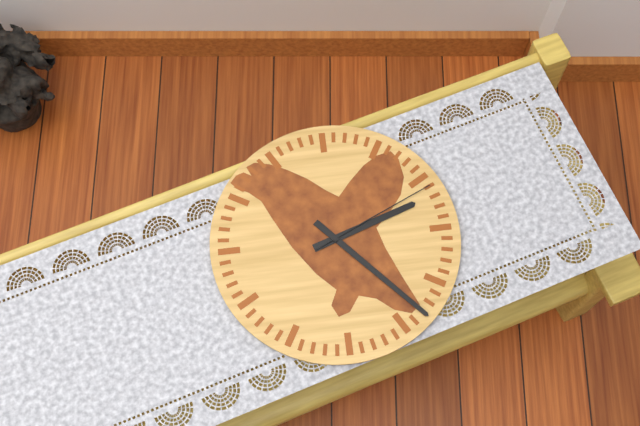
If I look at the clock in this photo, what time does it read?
2:23:11
